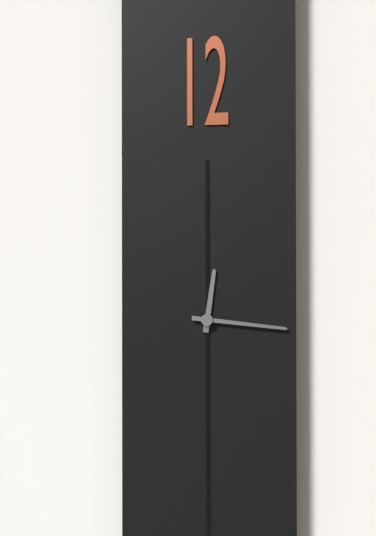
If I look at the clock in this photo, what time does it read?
12:16
